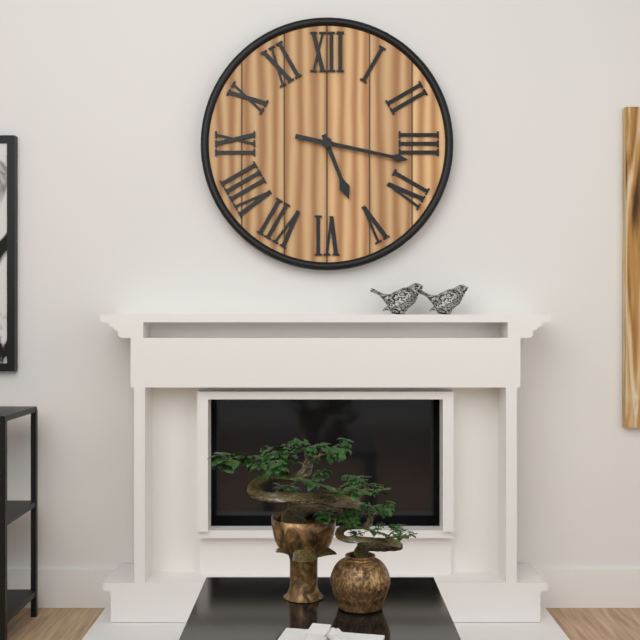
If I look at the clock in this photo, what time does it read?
5:17
